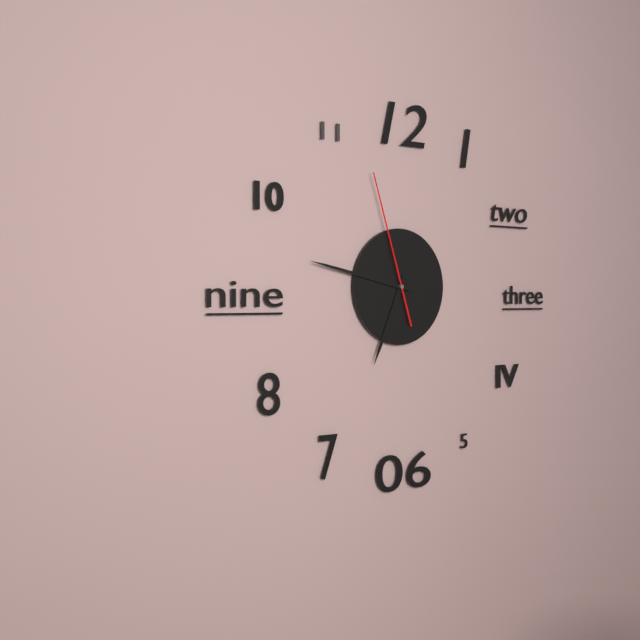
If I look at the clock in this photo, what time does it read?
6:47:57
